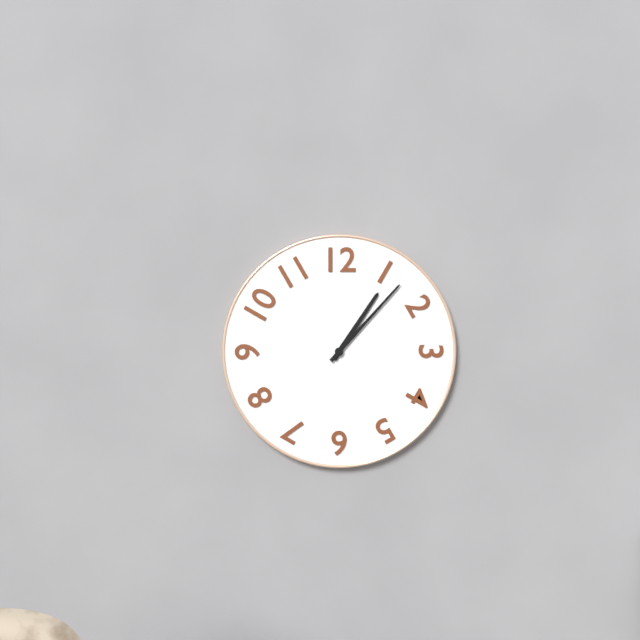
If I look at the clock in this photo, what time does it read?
1:07
